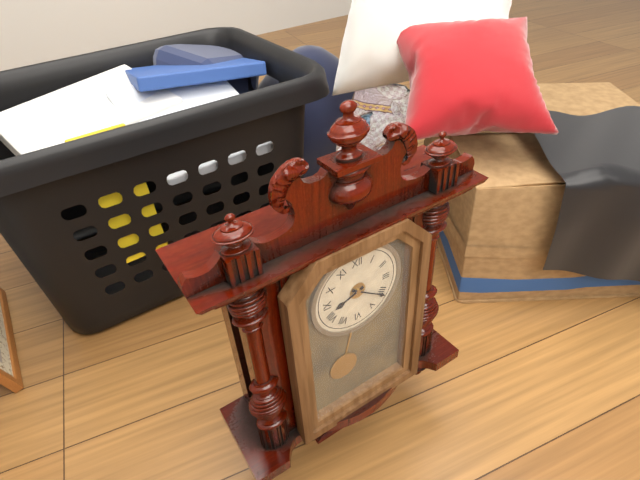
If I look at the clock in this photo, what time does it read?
8:21
